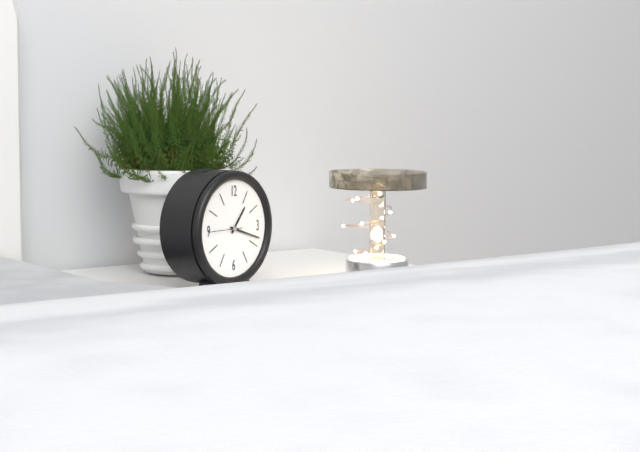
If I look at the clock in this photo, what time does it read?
1:18
